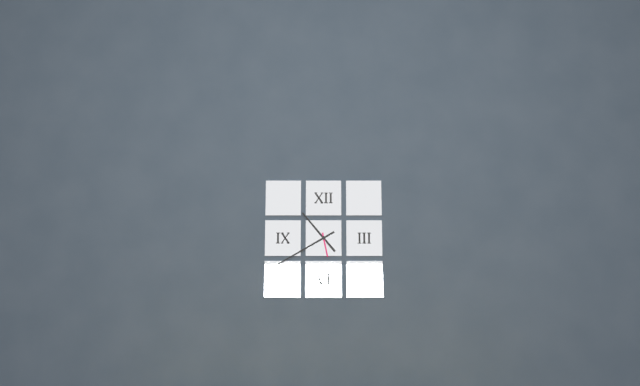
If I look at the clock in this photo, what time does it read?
10:40
